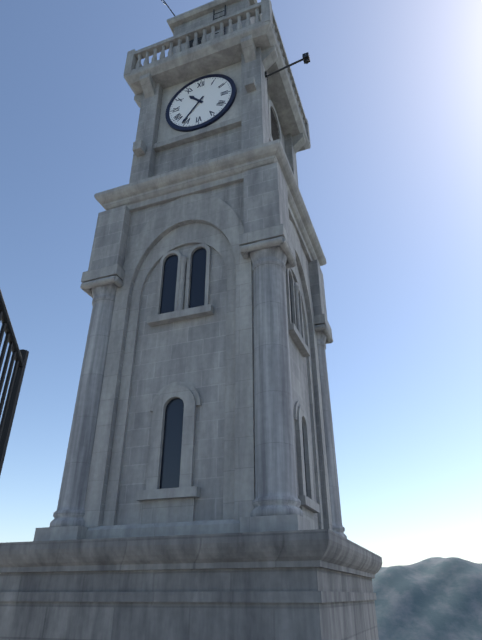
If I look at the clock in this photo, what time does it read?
10:36
